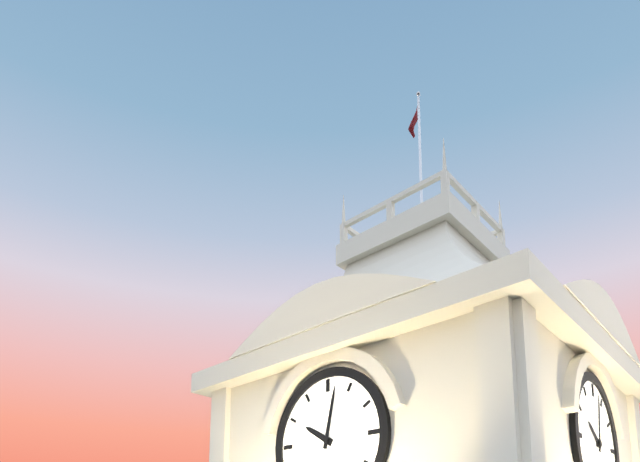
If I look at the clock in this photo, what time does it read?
10:02
